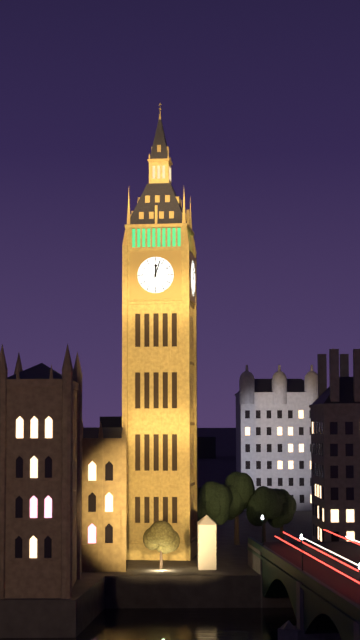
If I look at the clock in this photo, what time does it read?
12:03
